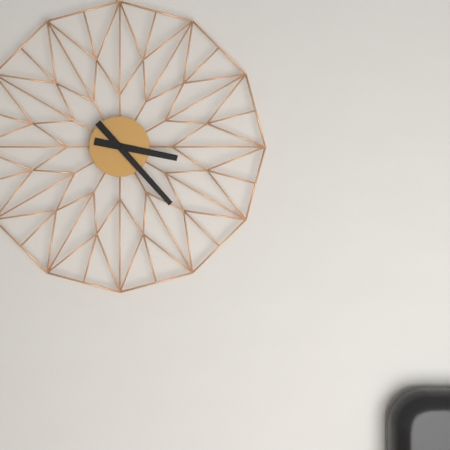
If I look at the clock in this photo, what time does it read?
3:23
